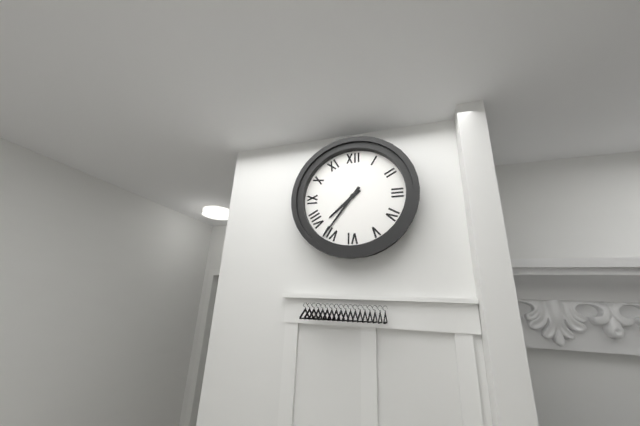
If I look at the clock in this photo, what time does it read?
7:36
